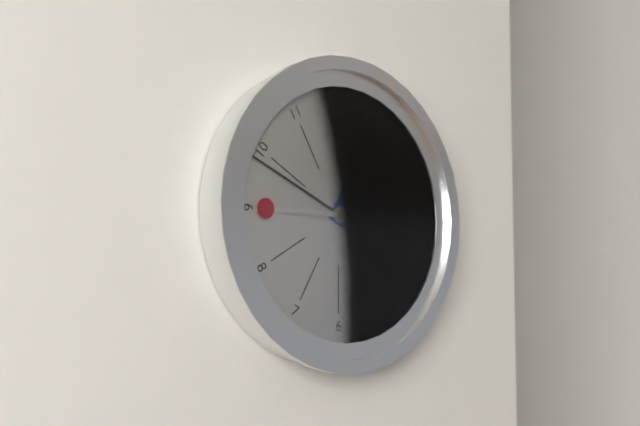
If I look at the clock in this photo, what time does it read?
12:49:45
